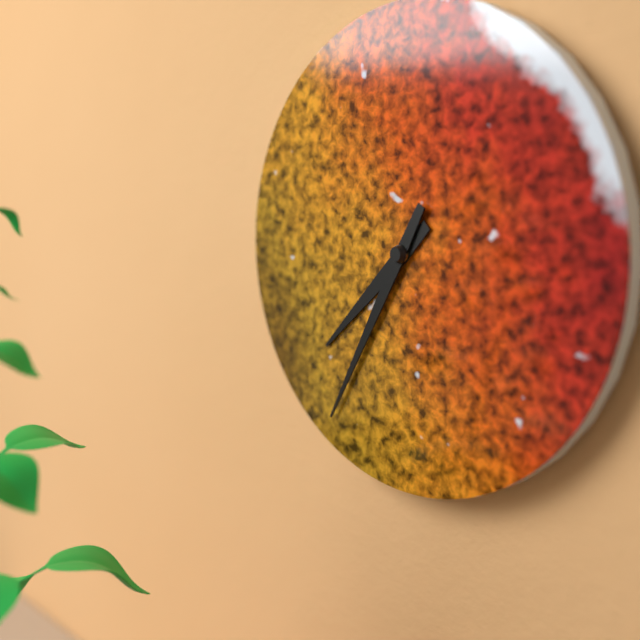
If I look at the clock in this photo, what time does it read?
7:35
